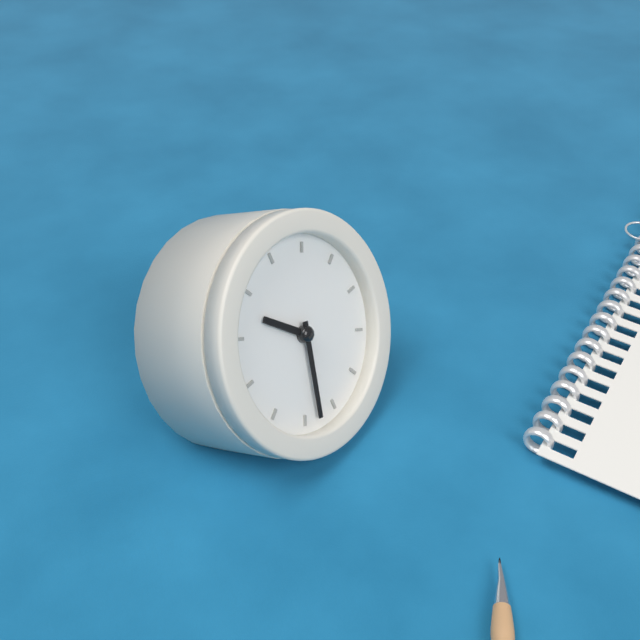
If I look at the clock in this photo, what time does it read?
10:33
